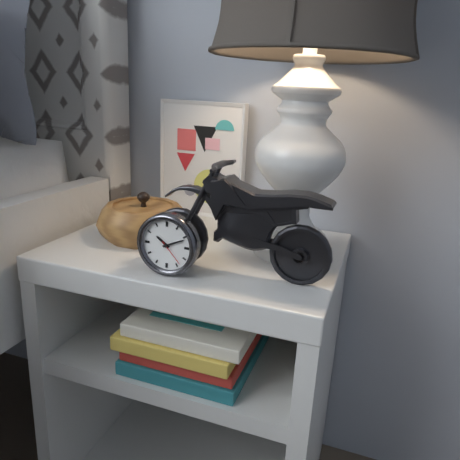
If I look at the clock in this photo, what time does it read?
10:11
